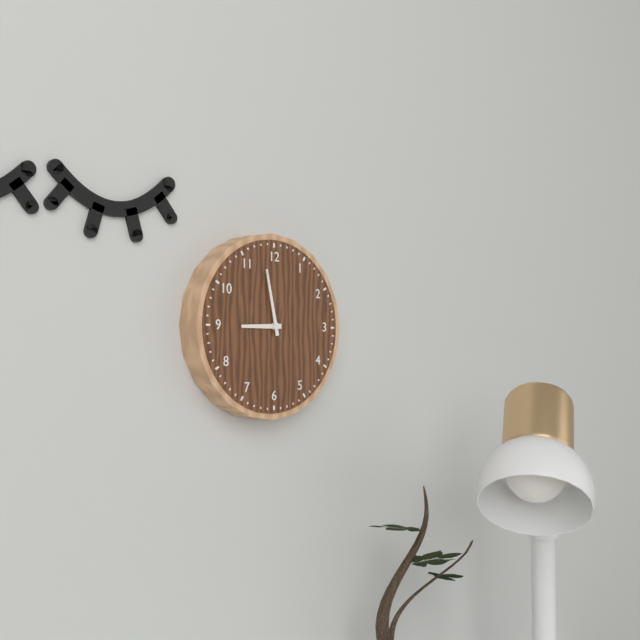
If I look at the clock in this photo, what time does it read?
8:58
